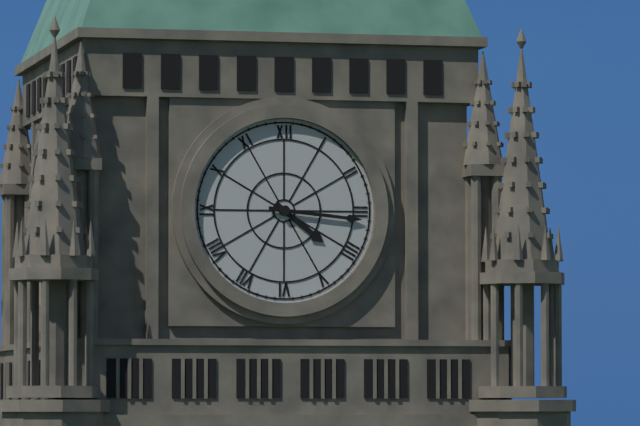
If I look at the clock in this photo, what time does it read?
4:16
